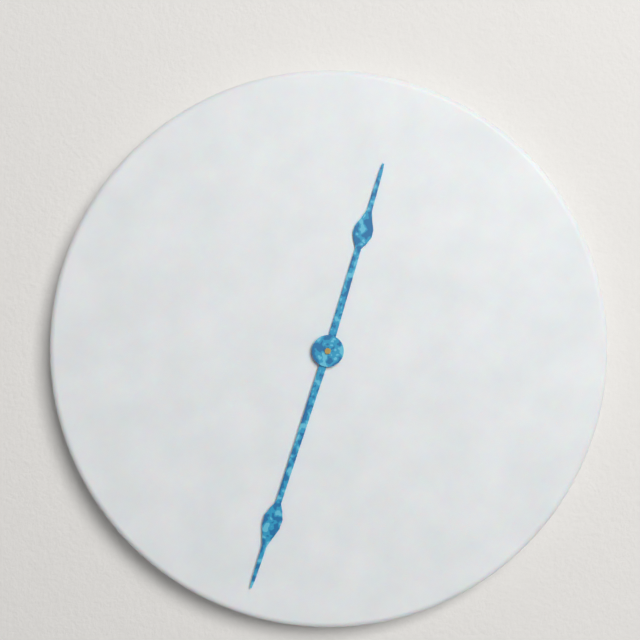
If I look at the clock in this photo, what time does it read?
12:33
